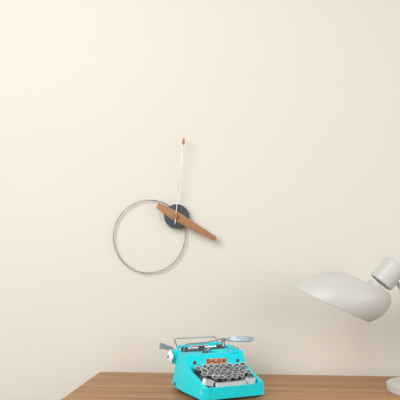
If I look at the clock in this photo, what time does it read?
4:01
